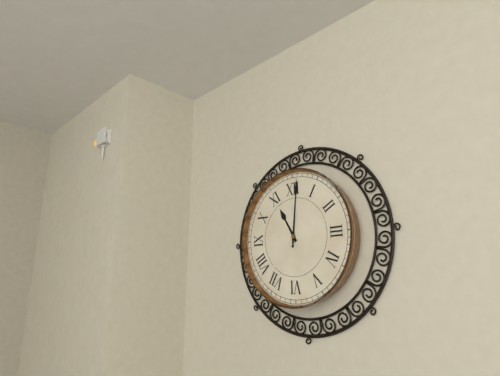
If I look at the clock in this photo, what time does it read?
11:01
